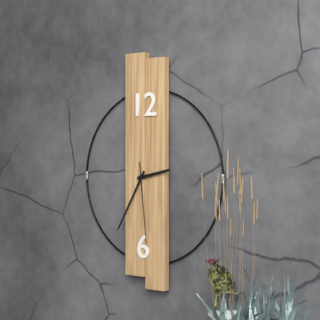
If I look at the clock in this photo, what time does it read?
2:35:29
